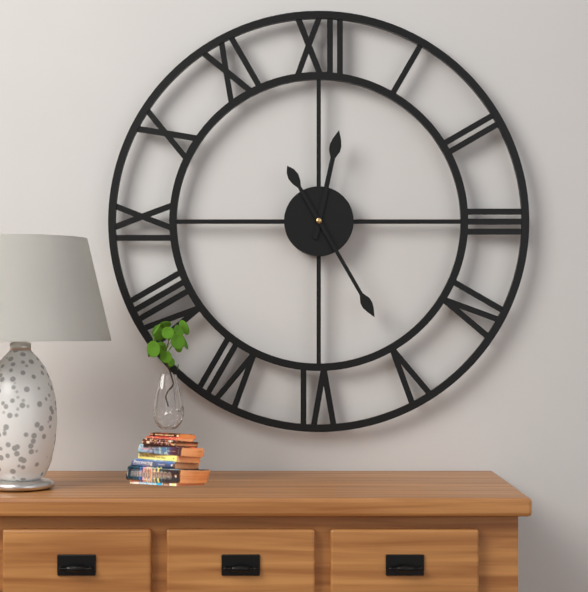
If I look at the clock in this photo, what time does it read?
12:25
